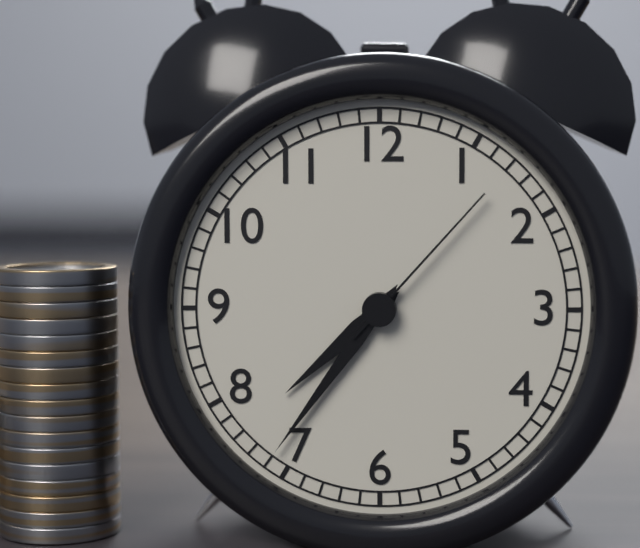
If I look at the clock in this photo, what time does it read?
7:36:07
